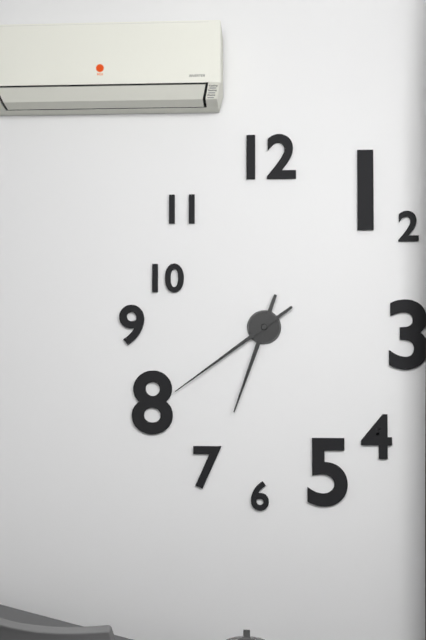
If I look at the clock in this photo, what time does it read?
6:39
